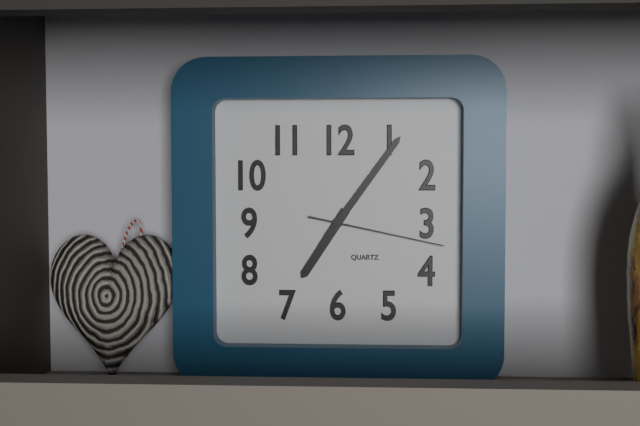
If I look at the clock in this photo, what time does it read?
7:06:17
